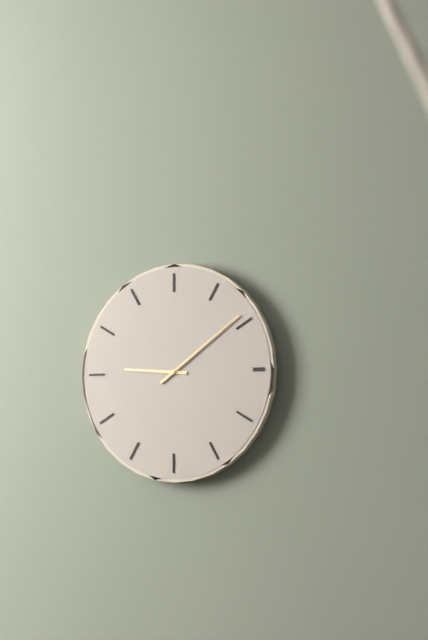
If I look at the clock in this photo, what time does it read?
9:09
